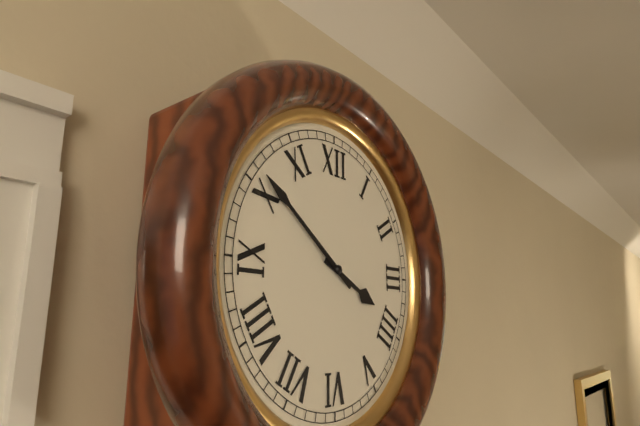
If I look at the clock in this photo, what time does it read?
3:51
